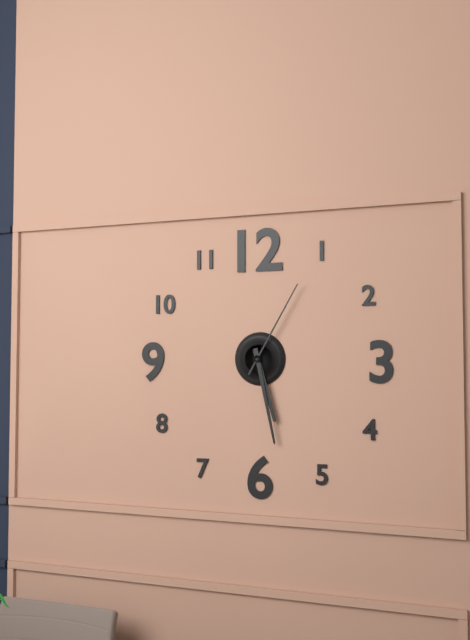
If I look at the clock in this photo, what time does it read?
5:28:05
